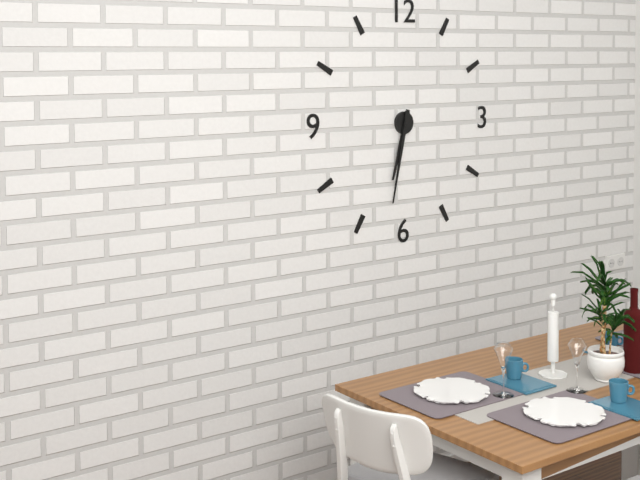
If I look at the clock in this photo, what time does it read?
6:32
